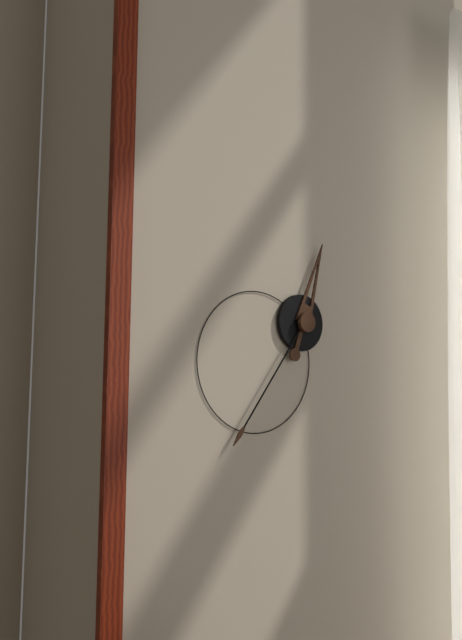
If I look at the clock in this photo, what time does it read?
12:36
